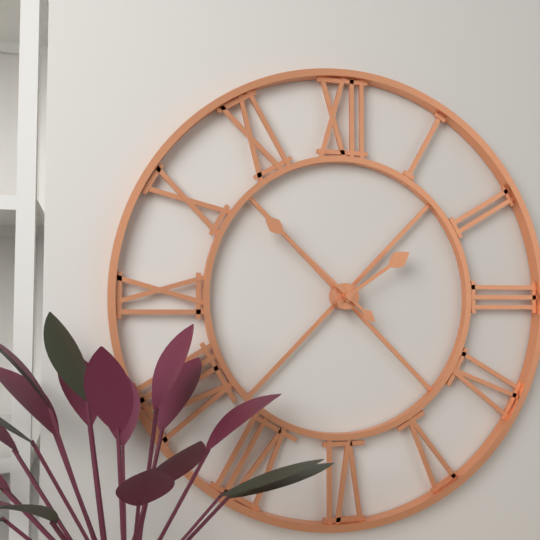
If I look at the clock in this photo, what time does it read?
1:52
